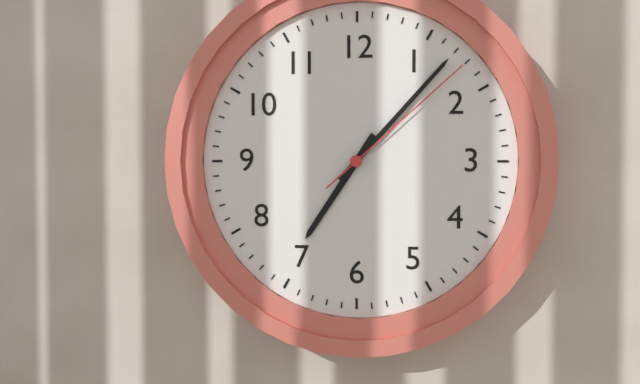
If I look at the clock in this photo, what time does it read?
7:07:08
